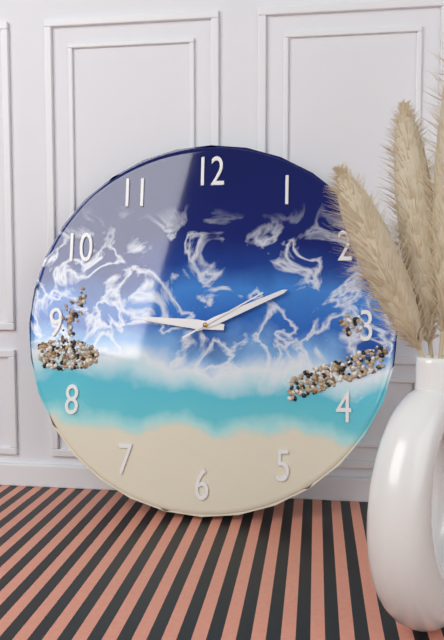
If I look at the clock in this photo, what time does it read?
9:11:10
